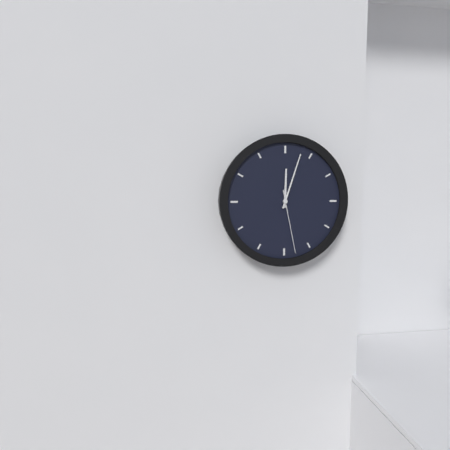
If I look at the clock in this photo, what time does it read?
12:03:28
